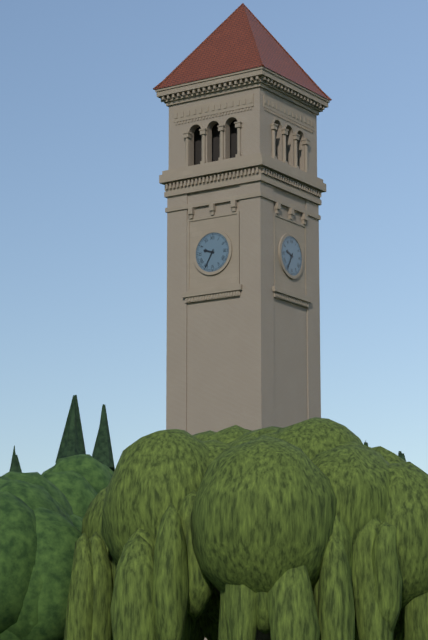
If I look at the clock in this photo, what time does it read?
9:35
